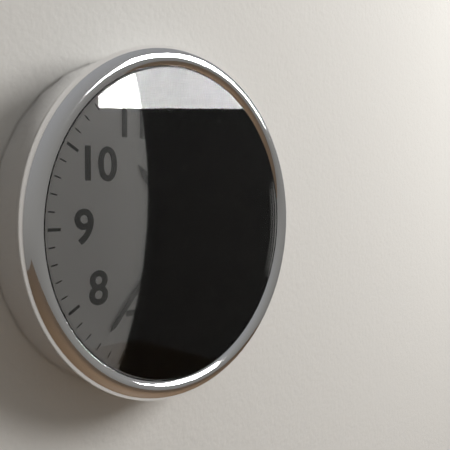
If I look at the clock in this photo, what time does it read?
10:37
